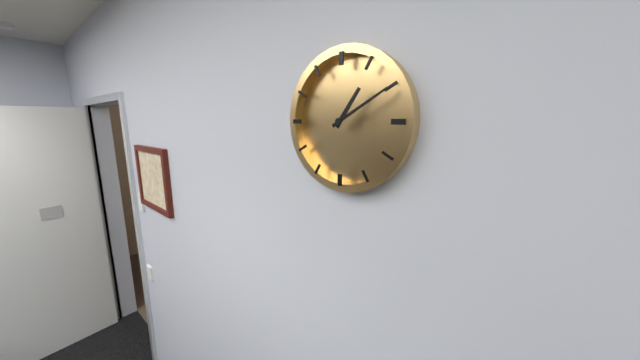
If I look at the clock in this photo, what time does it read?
1:10
